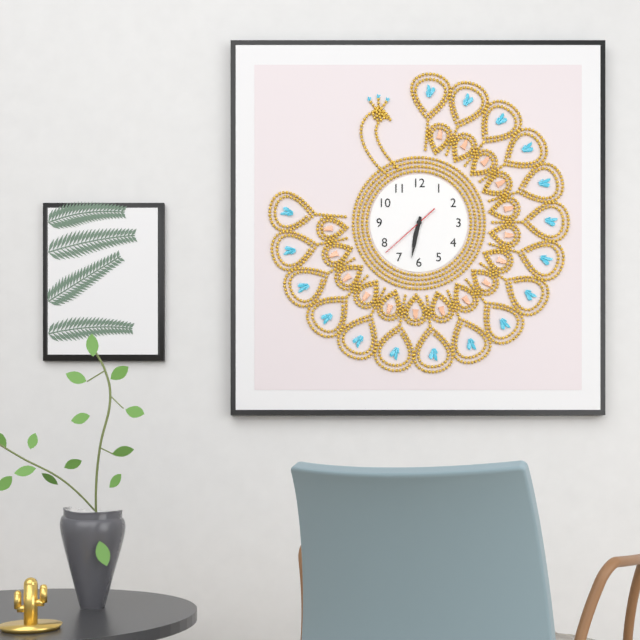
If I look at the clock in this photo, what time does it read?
6:32:38
